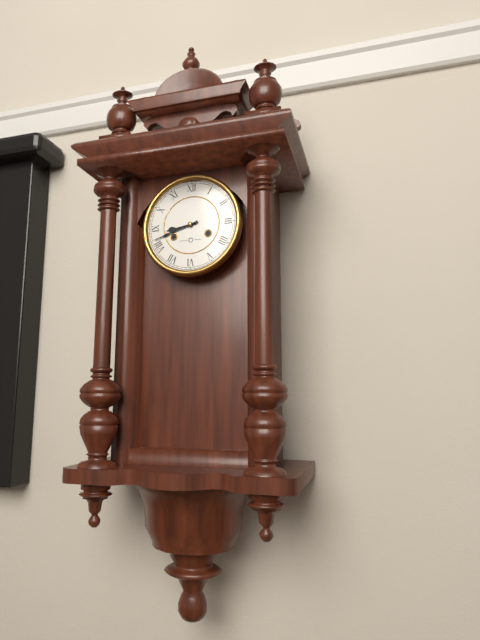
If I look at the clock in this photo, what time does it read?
8:42
